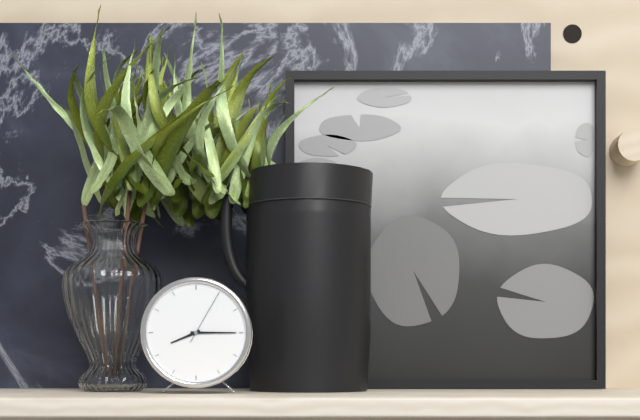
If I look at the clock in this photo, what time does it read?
8:15:05
